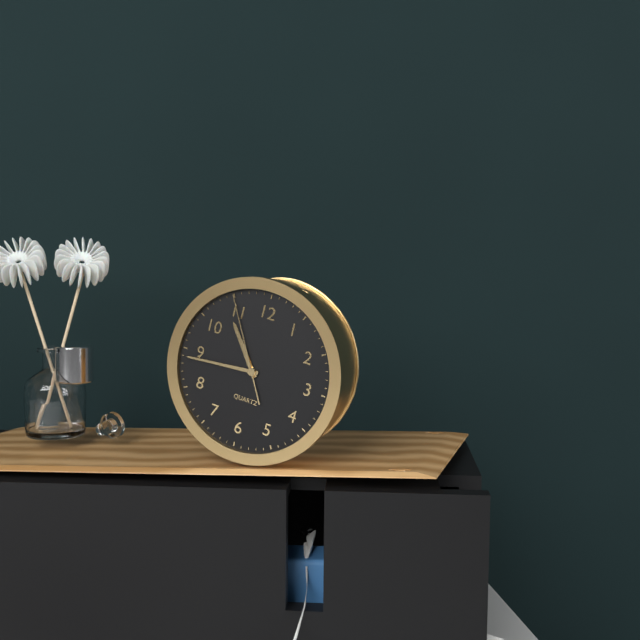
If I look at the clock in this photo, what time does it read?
10:44:55
